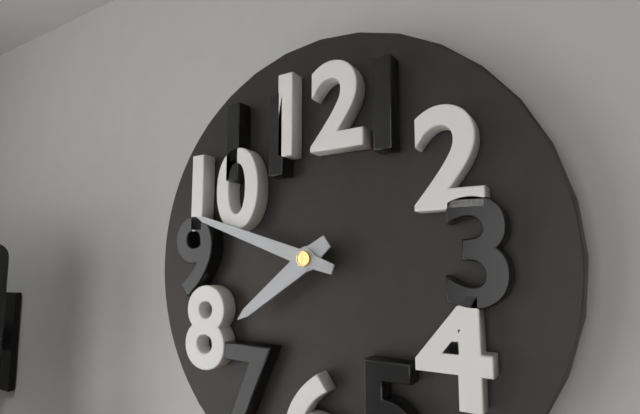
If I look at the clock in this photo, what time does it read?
7:48
